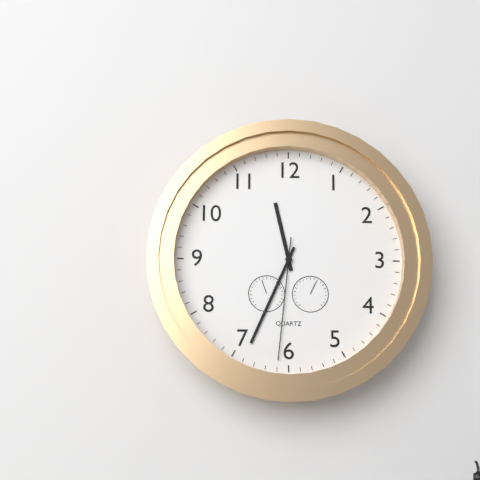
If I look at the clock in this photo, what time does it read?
11:34:31
